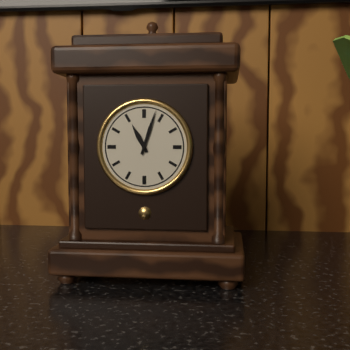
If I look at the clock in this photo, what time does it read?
11:03
